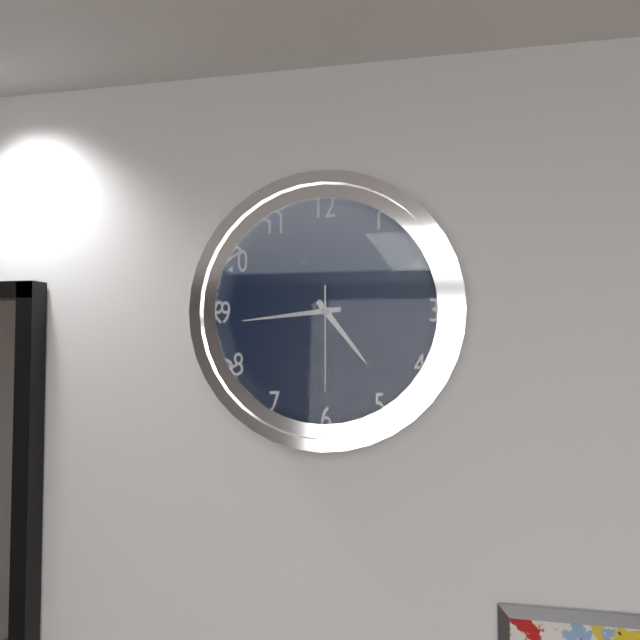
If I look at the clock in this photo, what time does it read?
4:44:30
